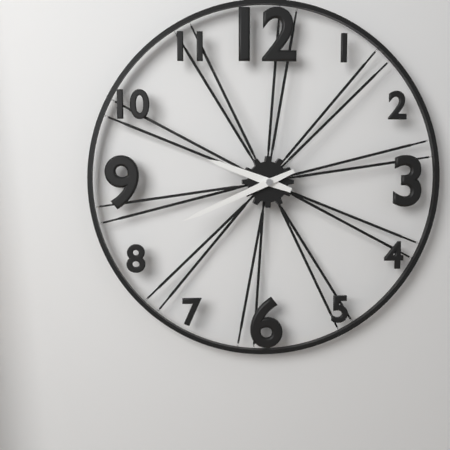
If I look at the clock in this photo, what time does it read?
9:41
